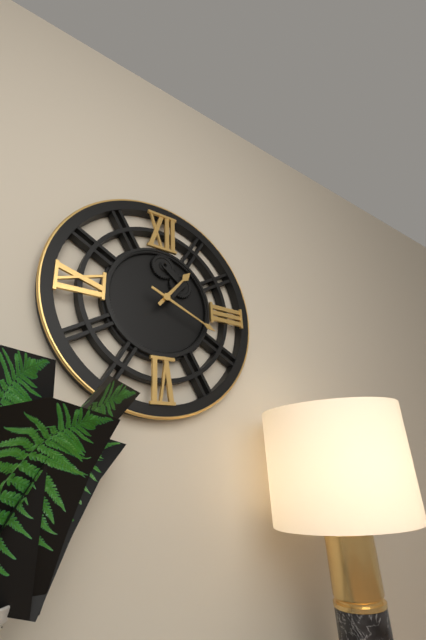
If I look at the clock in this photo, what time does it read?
1:19
